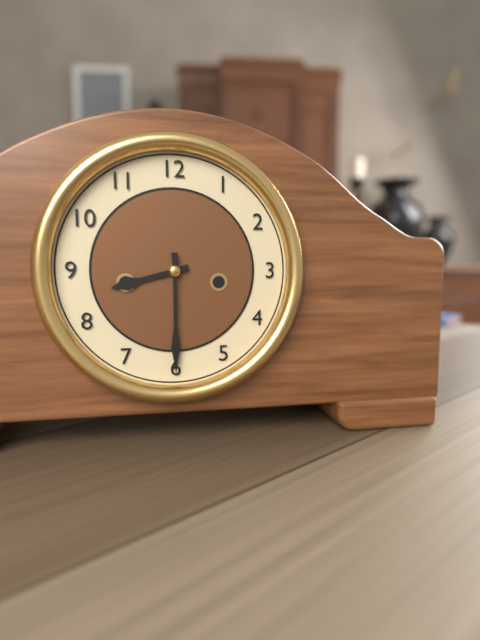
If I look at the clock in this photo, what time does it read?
8:30
